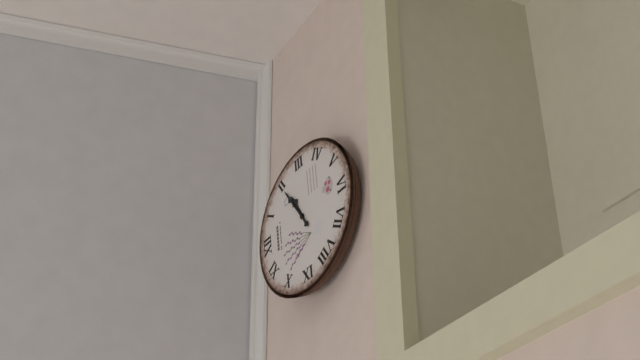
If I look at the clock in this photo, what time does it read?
2:10
